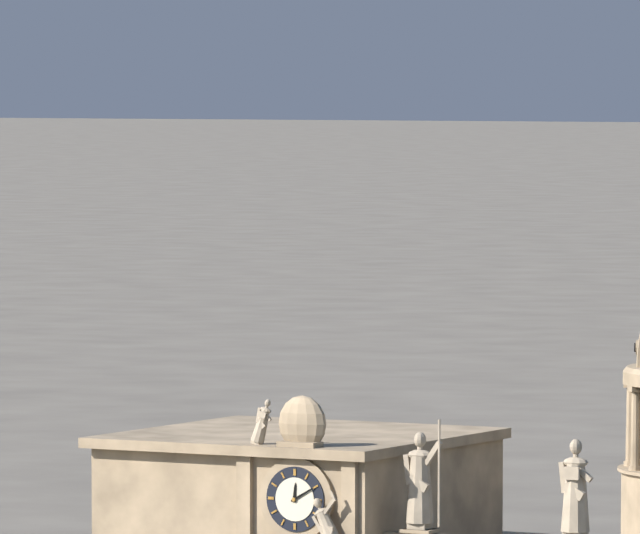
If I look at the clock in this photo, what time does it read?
12:10
